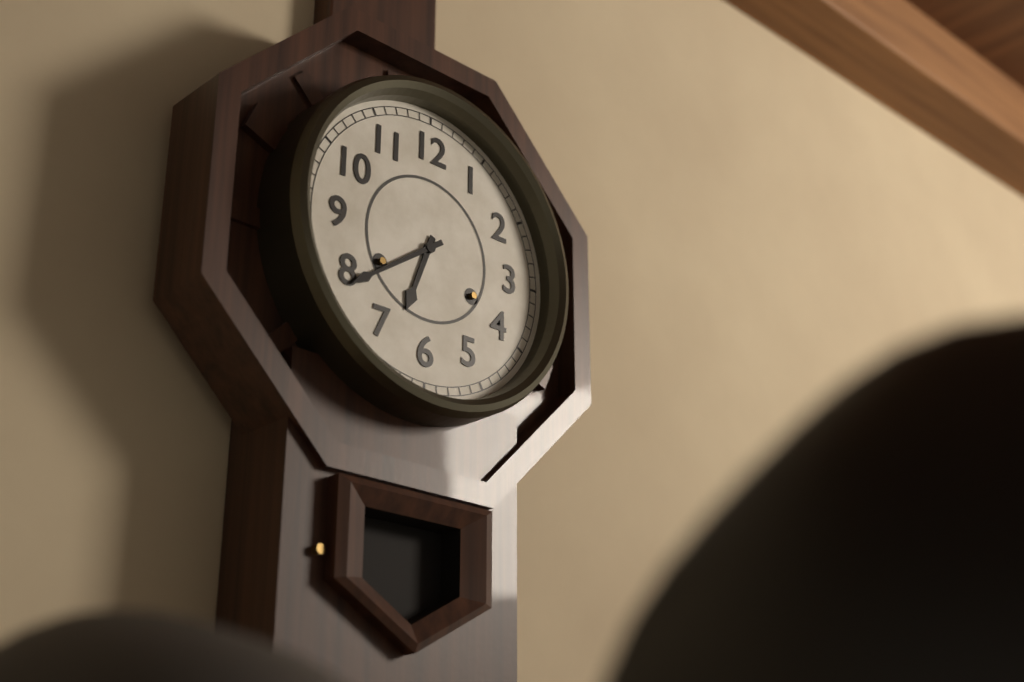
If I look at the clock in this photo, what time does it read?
6:39
